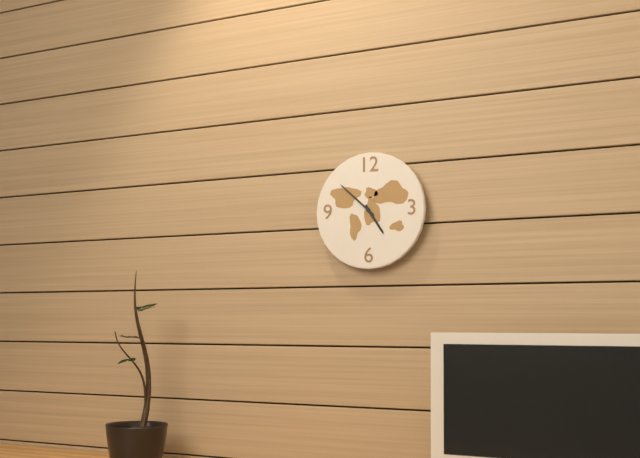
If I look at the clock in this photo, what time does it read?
4:52
